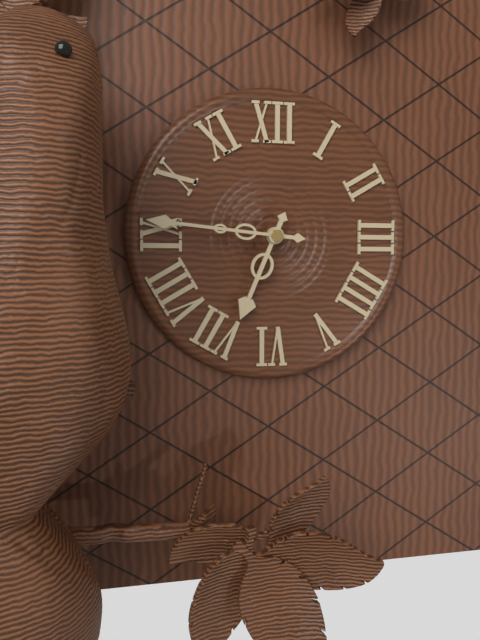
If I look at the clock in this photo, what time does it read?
6:46
